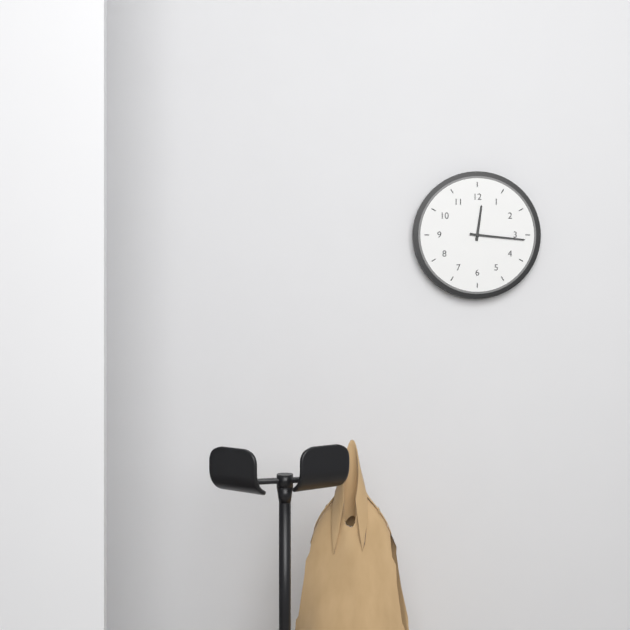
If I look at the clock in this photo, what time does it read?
12:16
